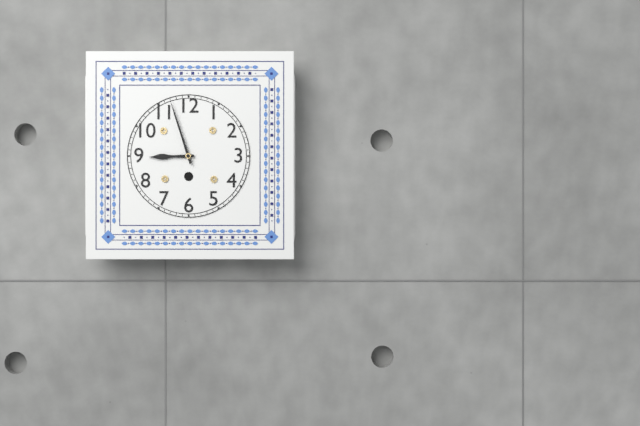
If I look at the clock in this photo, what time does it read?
8:57
